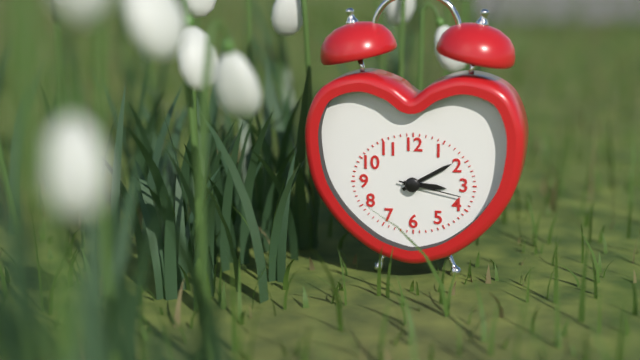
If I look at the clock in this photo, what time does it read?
3:10:17
